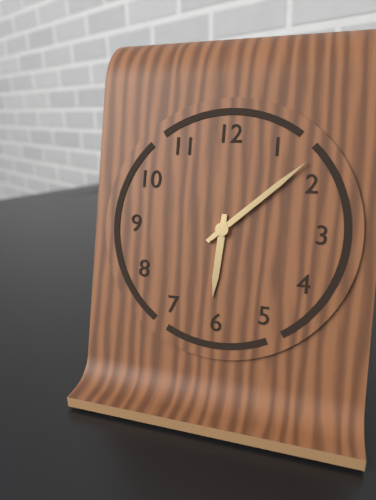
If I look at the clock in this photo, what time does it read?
6:08
